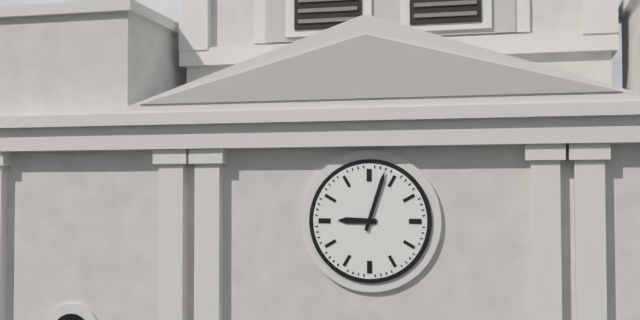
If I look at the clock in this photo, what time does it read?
9:03
